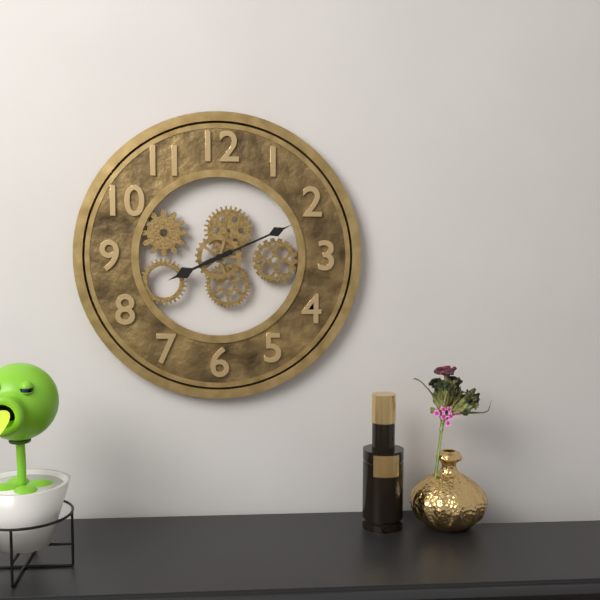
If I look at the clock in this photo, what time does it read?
8:11
